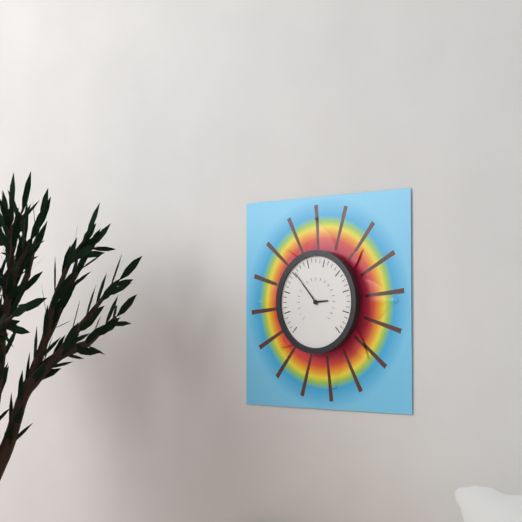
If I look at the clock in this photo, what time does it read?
2:53
